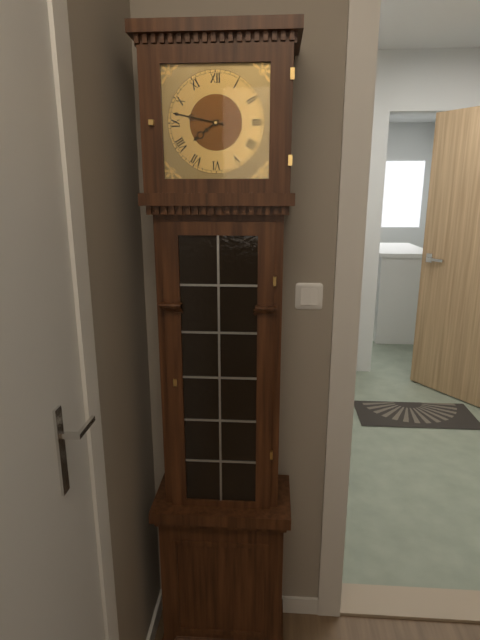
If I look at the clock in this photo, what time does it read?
7:47
